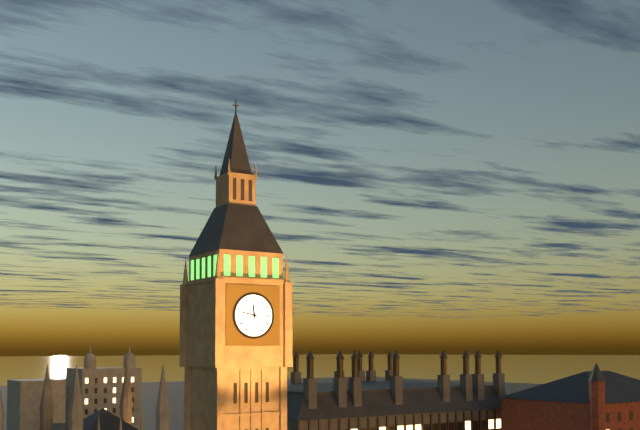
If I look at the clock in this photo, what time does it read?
11:47
